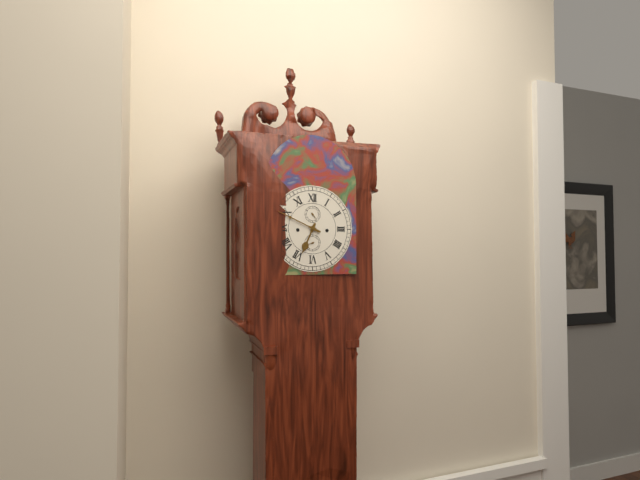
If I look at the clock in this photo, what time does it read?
6:49
